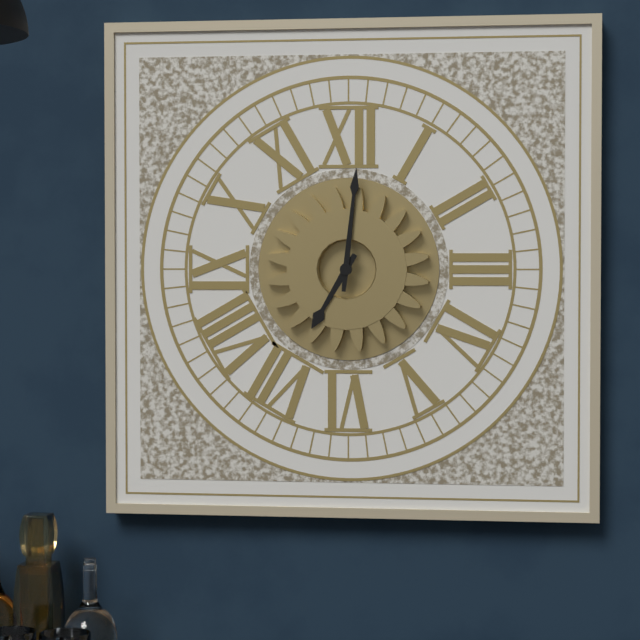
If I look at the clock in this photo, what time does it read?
7:01
